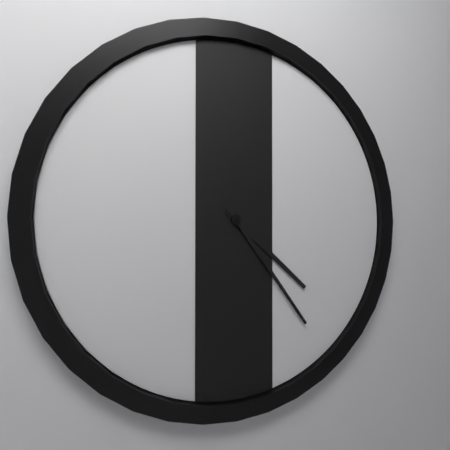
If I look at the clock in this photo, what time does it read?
4:24
